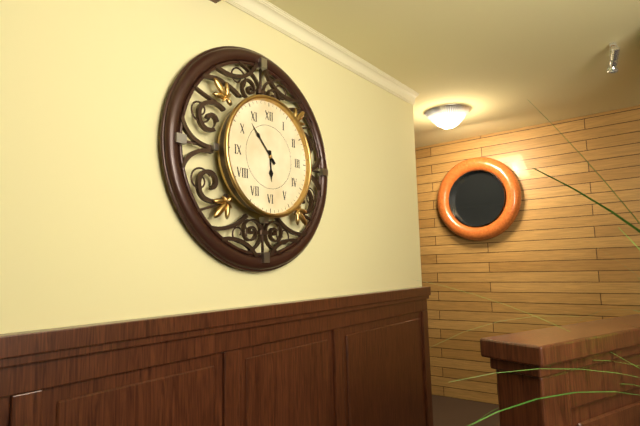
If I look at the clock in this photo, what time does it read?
5:53
